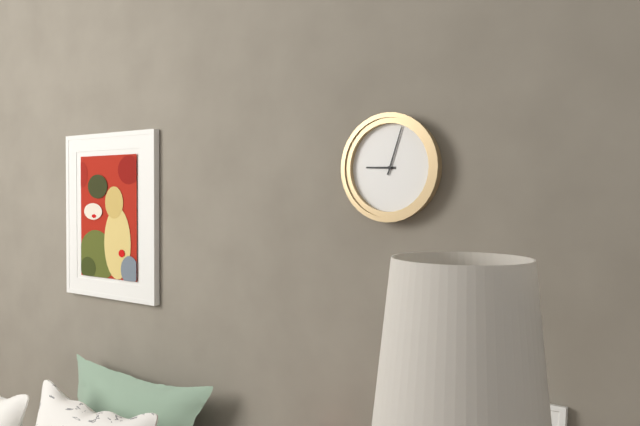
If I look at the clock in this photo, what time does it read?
9:03
